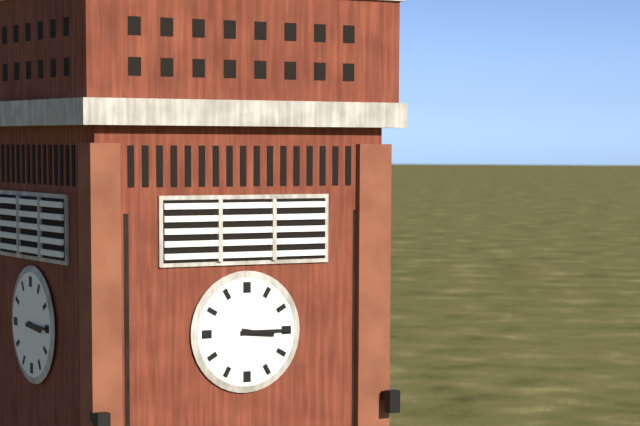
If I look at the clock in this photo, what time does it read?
3:15
